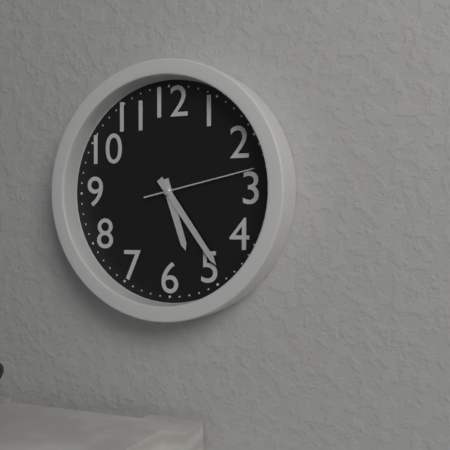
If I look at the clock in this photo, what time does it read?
5:24:13
